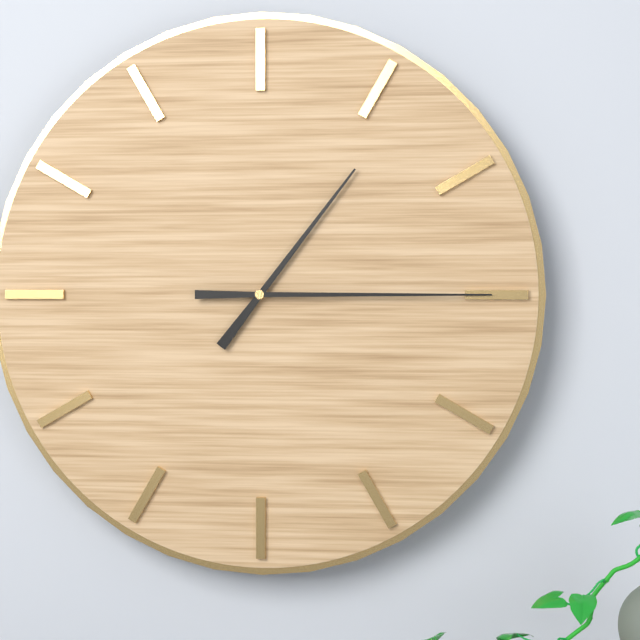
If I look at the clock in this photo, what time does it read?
1:15
